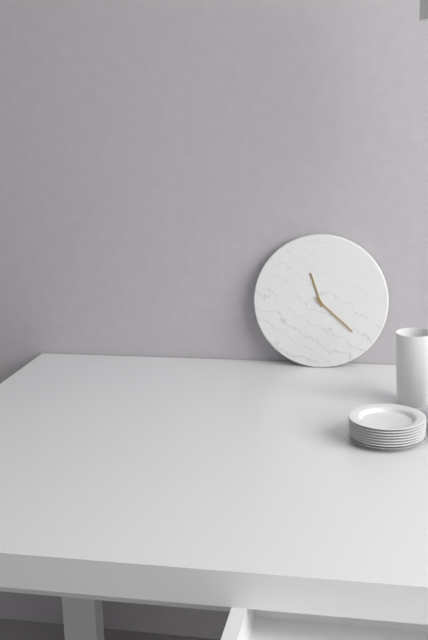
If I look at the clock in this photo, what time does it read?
11:22
